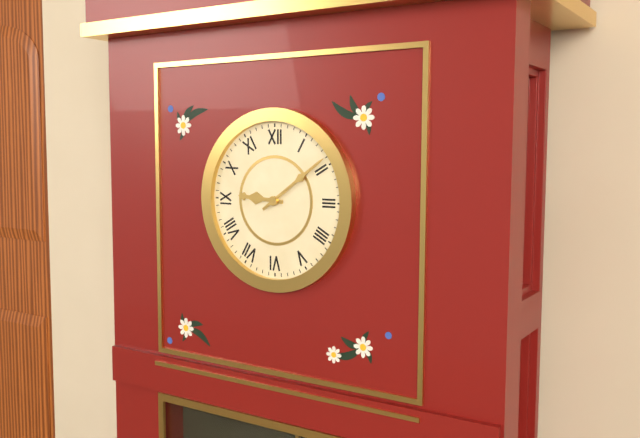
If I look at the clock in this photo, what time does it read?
9:09
